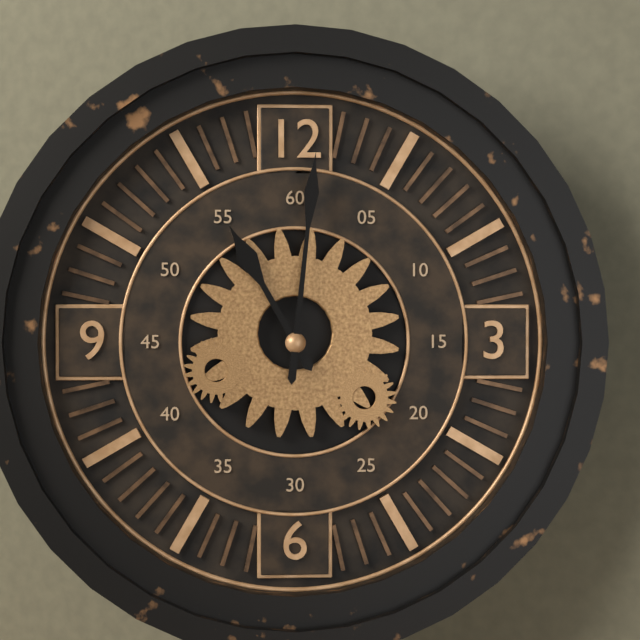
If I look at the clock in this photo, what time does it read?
11:01
